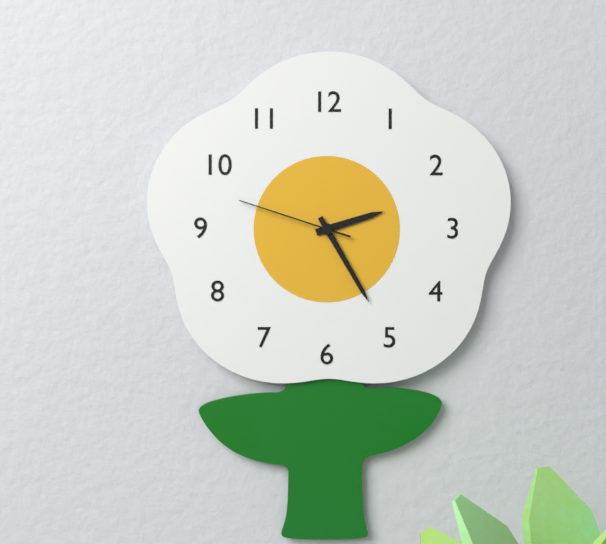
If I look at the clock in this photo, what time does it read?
2:25:48
